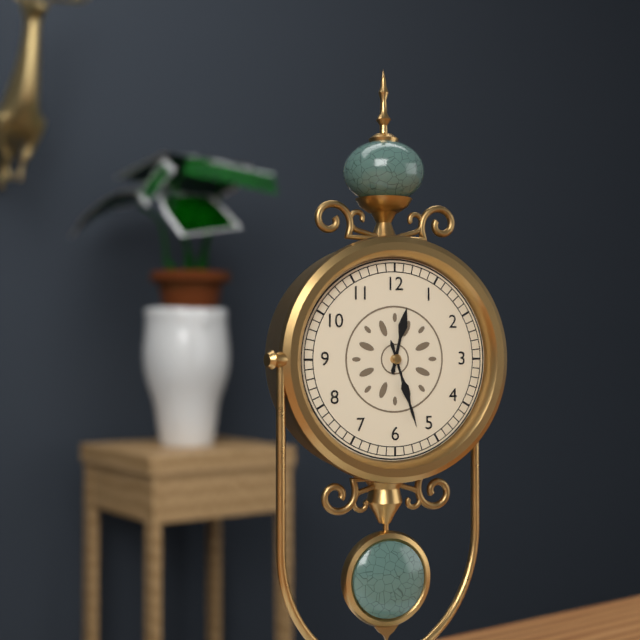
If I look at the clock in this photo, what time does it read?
12:27
